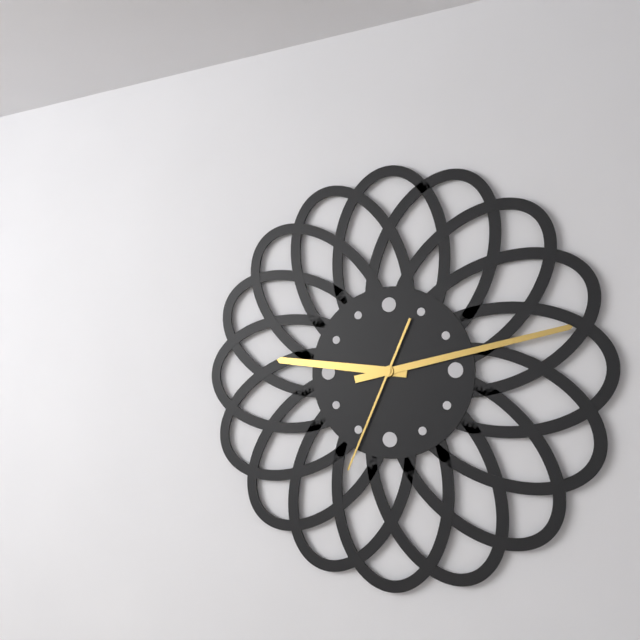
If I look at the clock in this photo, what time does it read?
9:13:34
